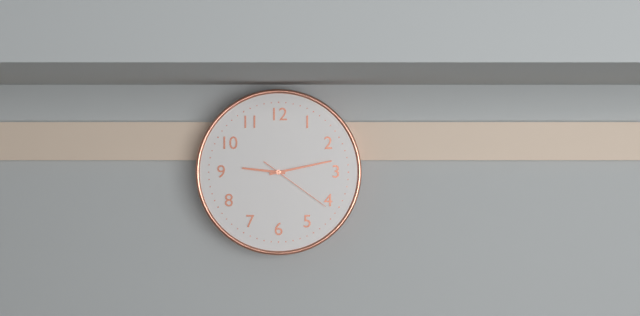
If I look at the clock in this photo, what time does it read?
9:13:21
